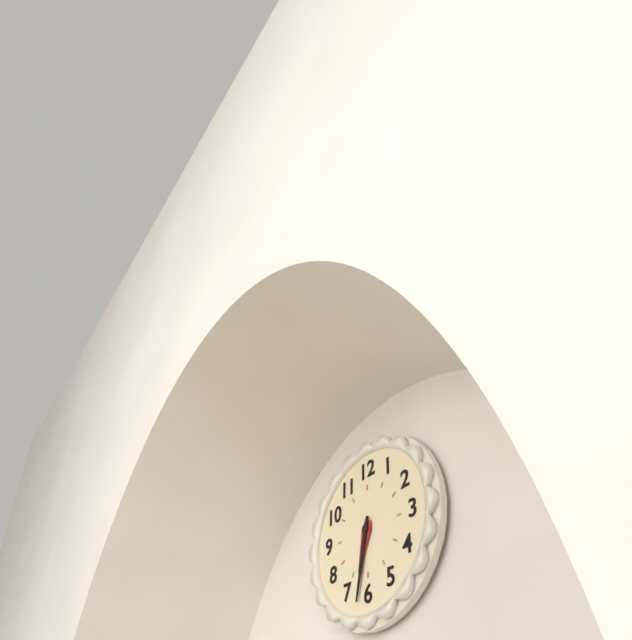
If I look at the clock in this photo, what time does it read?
6:32
